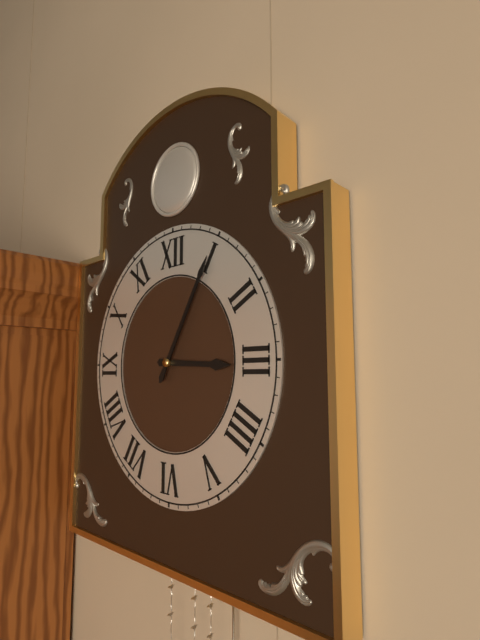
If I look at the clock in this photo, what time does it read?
3:05
